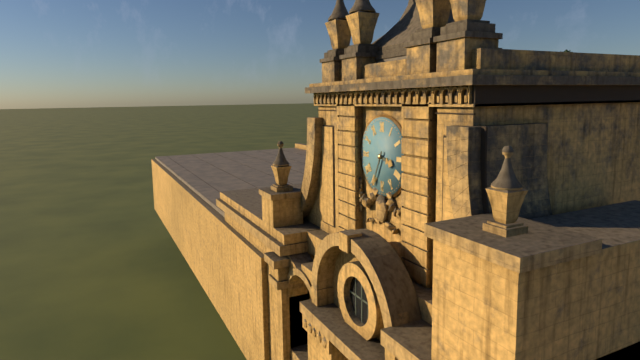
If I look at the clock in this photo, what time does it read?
3:34
